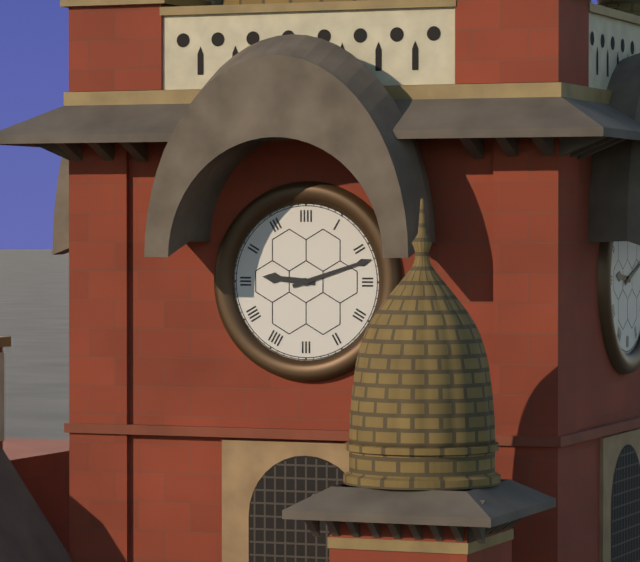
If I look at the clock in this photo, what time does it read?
9:12
